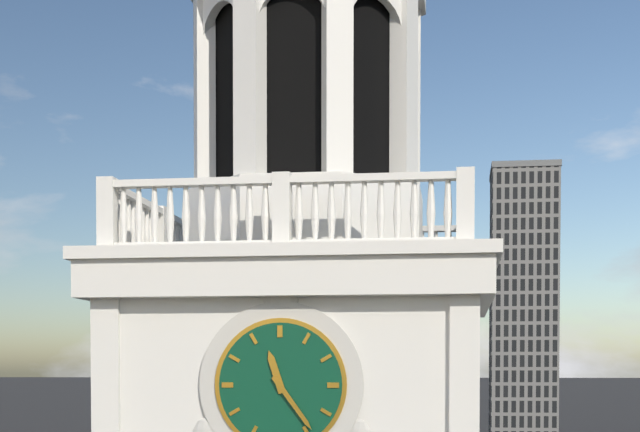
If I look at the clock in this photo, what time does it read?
11:24
